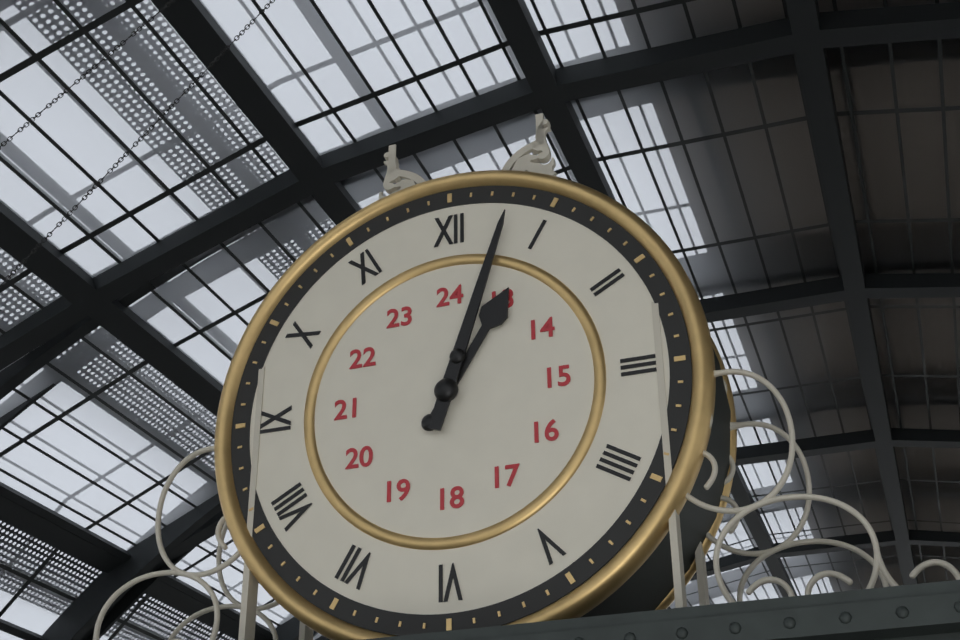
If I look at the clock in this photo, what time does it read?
1:03
